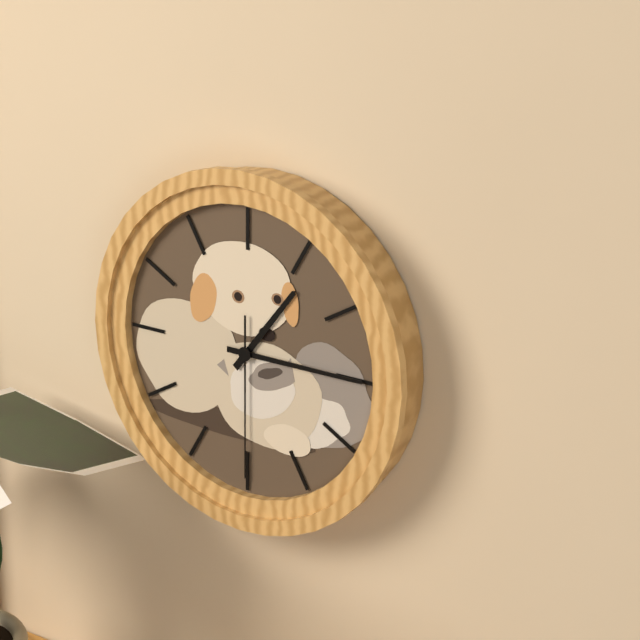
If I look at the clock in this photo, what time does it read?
1:15:30
